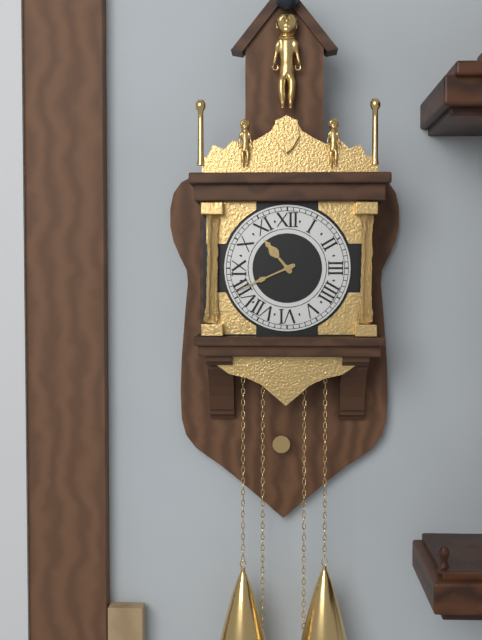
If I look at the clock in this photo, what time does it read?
10:41
